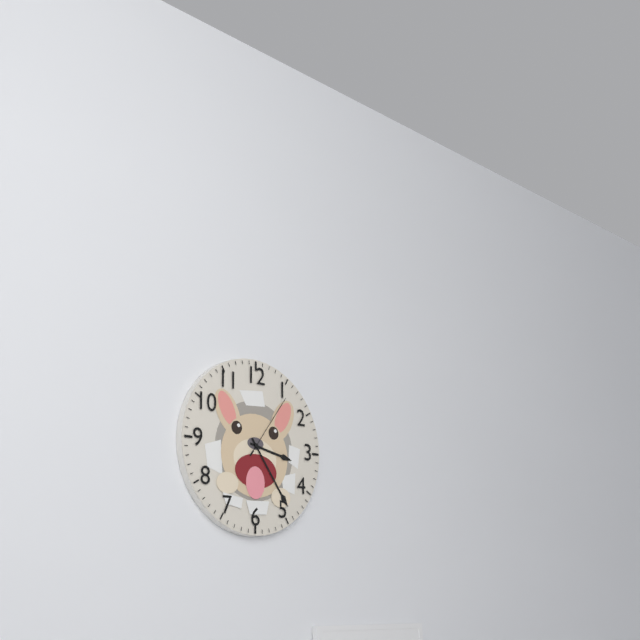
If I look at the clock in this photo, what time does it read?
3:24:06
